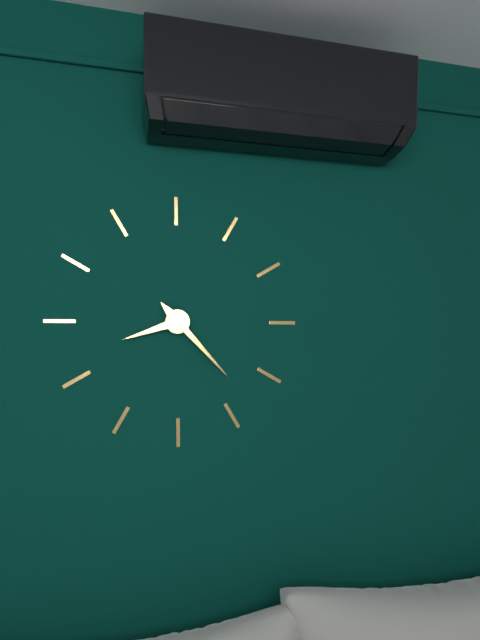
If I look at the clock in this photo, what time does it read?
8:23
